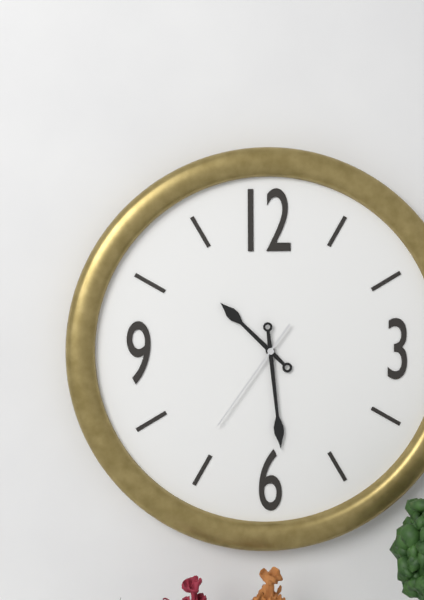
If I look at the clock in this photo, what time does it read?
10:29:36
